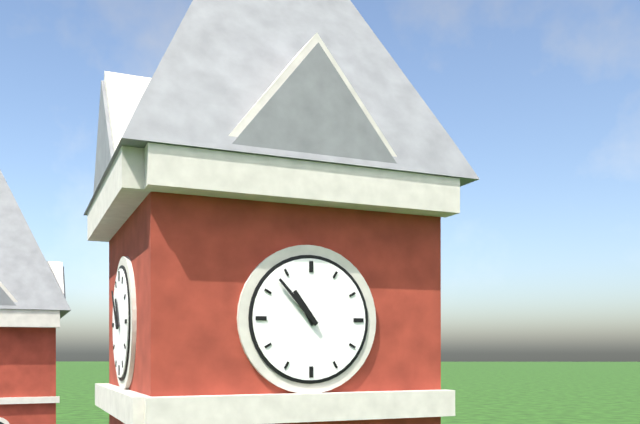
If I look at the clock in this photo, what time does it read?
10:53
